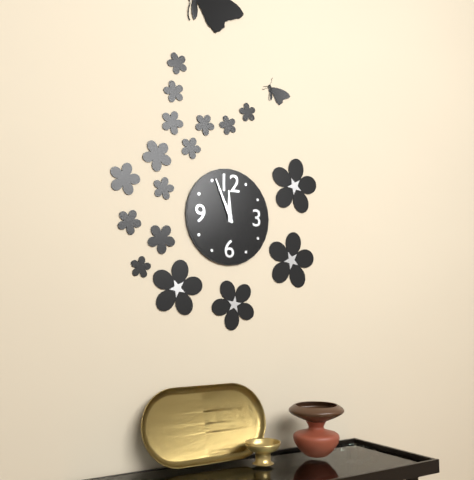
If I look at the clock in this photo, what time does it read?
11:56
